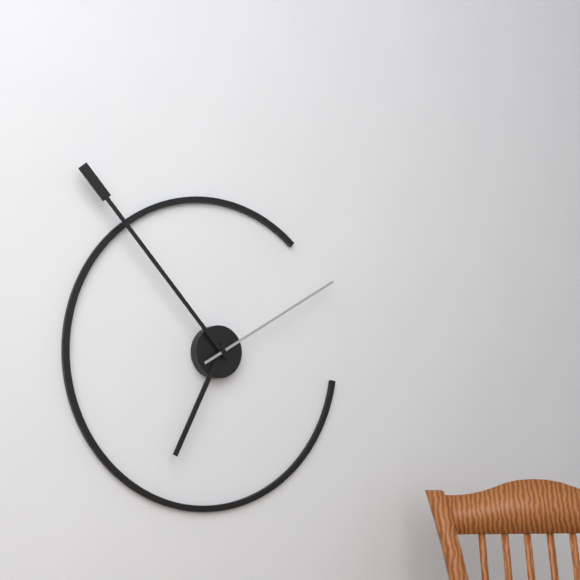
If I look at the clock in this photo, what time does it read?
6:53:10
